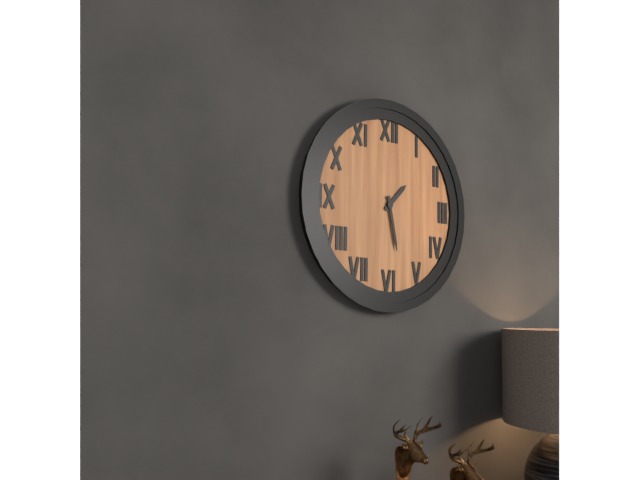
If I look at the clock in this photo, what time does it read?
1:28
